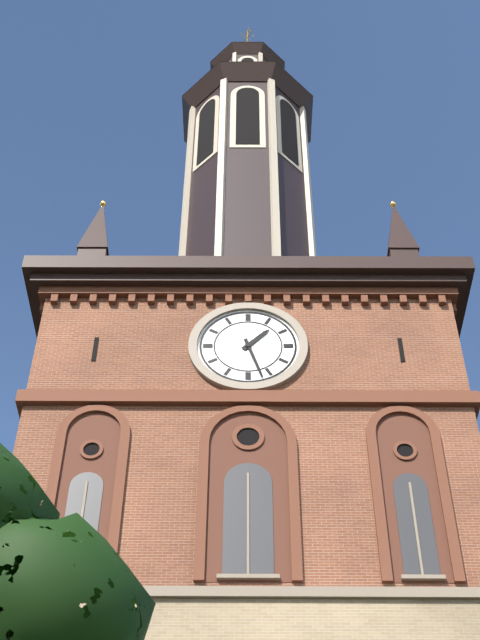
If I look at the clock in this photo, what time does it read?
1:27
